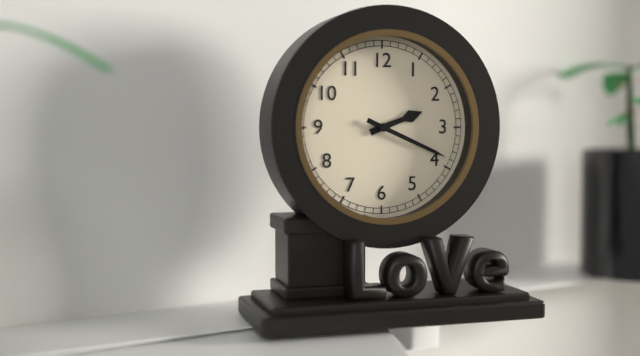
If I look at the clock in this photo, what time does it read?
2:19
